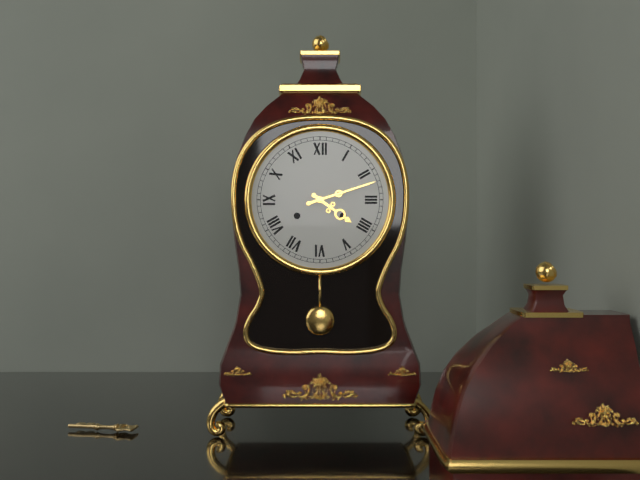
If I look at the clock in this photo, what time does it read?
4:12
